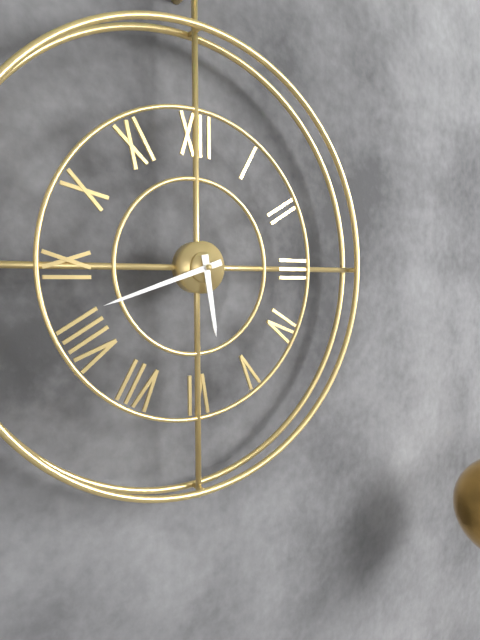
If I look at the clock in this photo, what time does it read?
5:42
